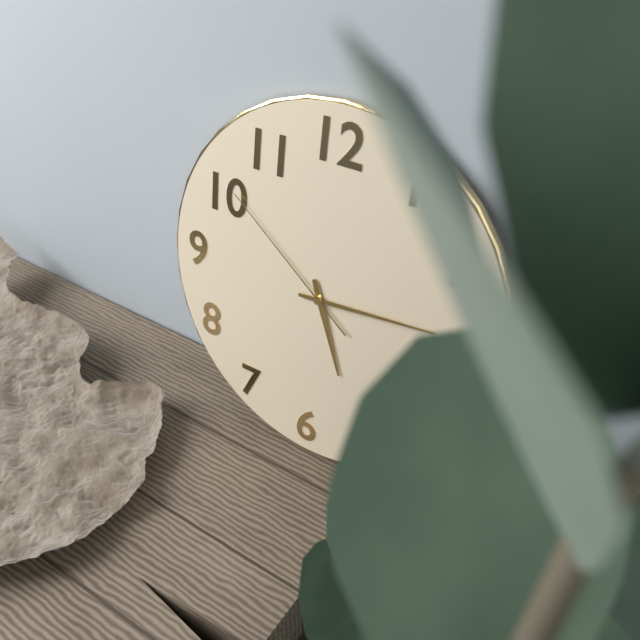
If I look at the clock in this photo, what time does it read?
5:14:51
